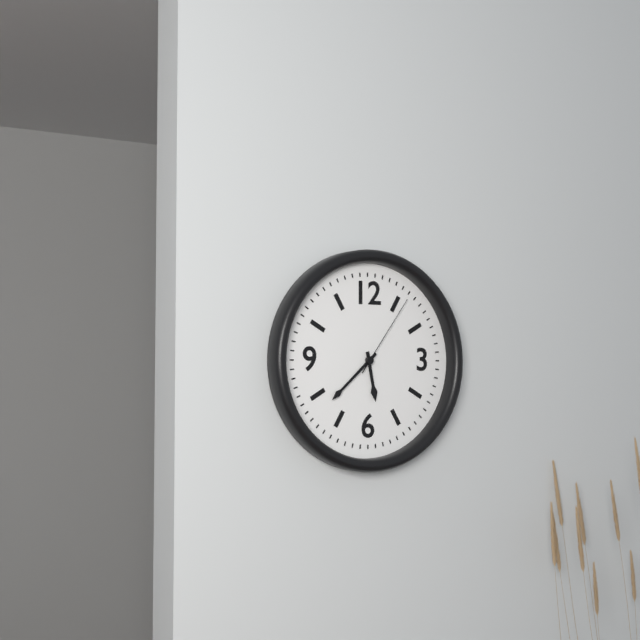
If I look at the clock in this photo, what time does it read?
5:38:06
